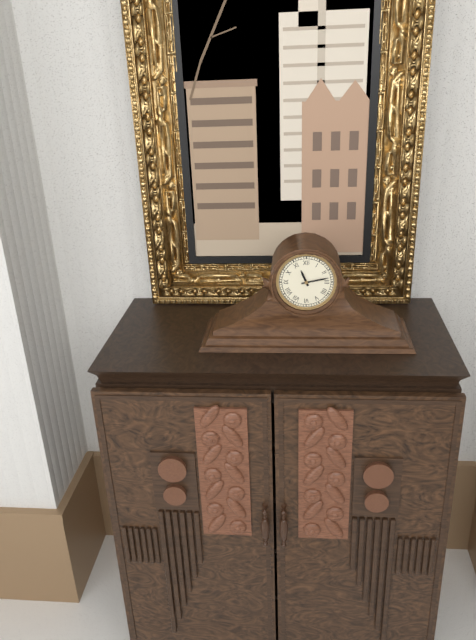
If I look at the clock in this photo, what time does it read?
11:13
